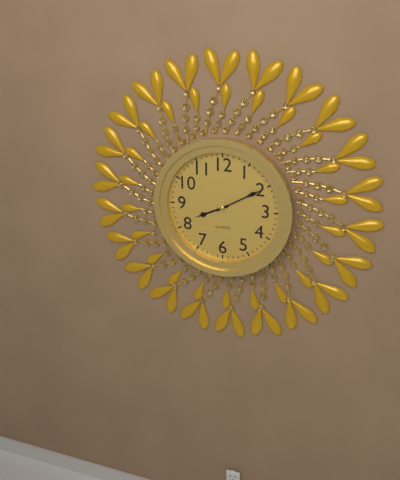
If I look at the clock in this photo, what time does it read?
8:10
